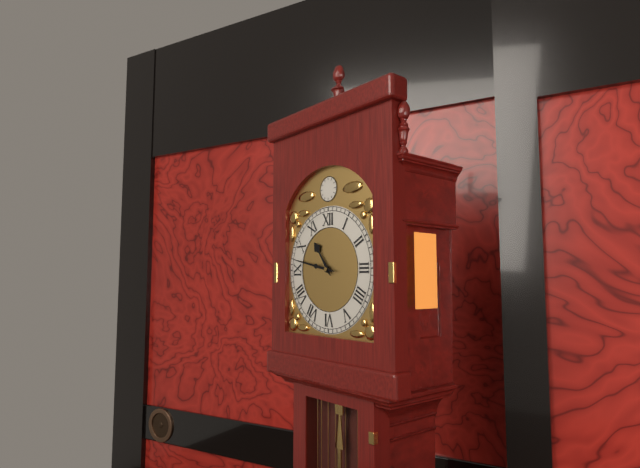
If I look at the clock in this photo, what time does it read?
10:47
